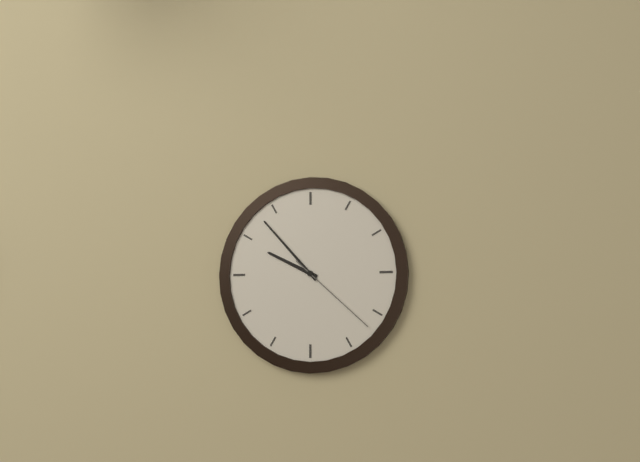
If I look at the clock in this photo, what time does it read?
9:53:22
